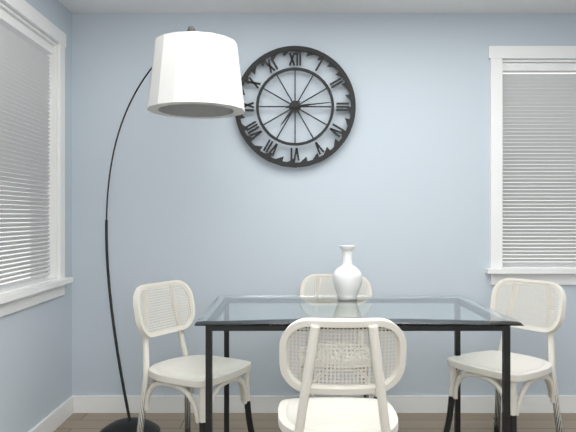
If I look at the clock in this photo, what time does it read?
7:14
